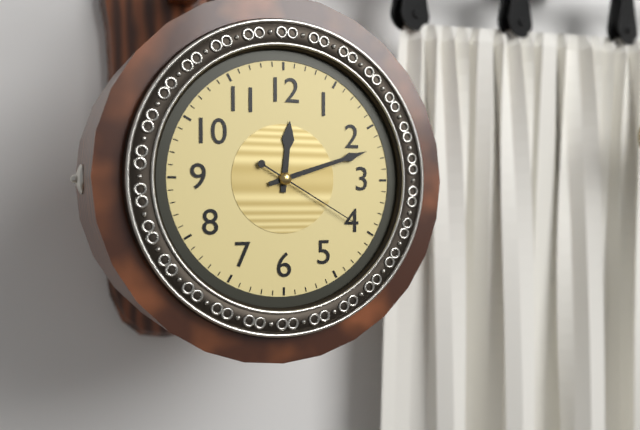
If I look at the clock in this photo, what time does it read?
12:12:20
